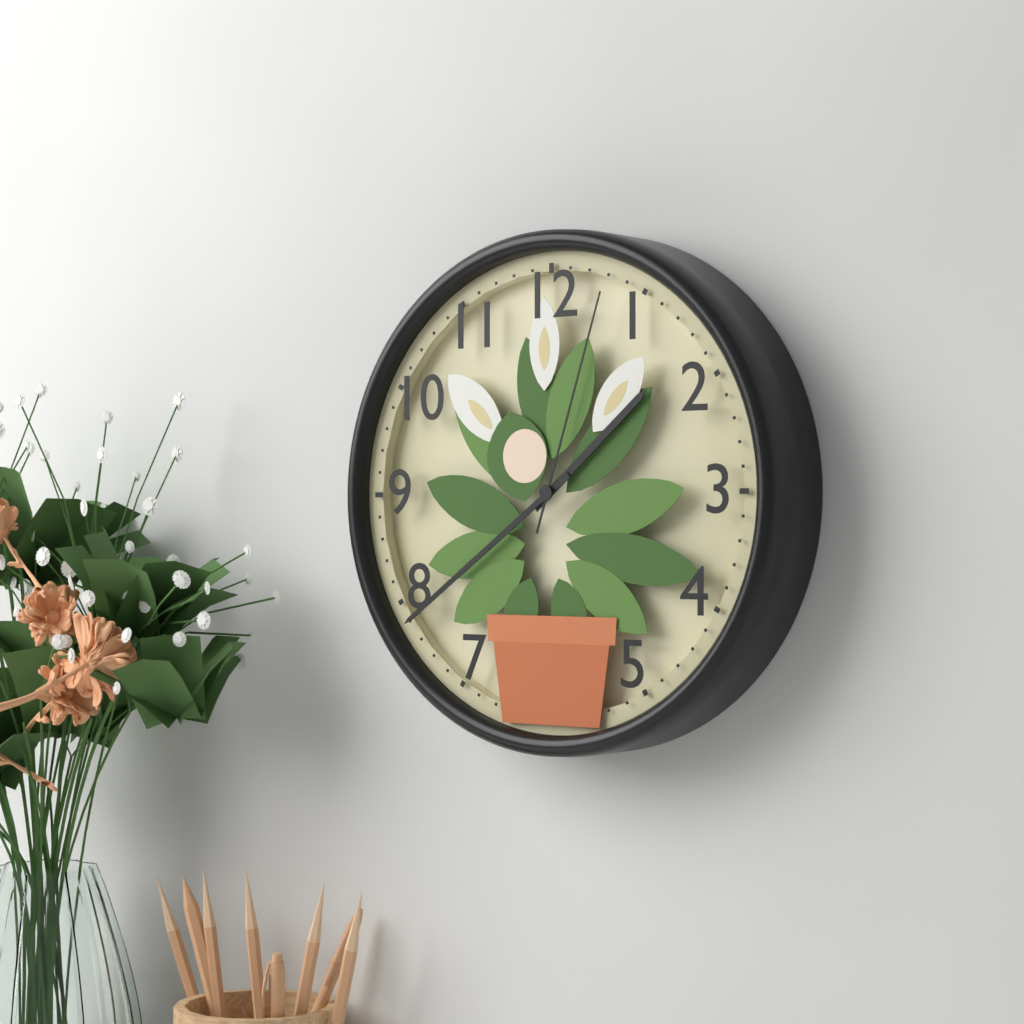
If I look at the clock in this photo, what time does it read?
1:39:03
